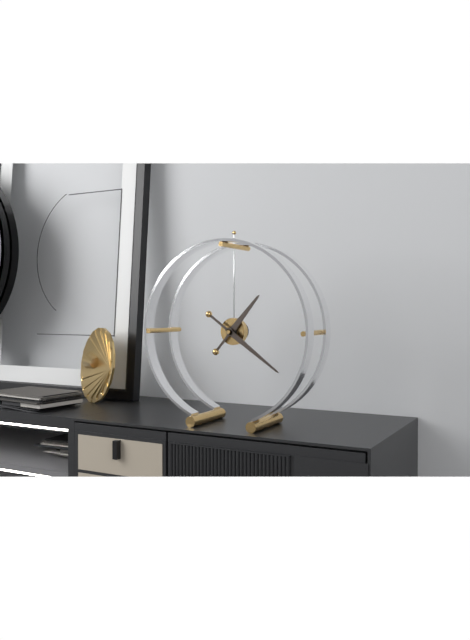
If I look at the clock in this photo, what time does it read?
1:21
